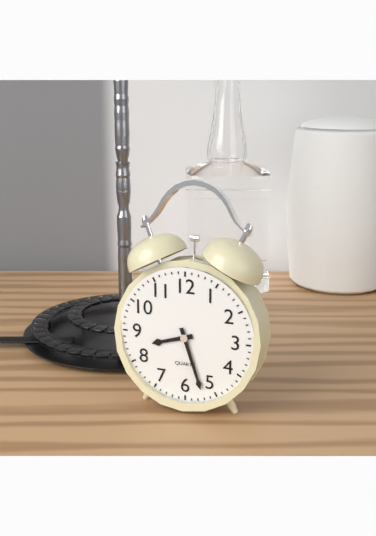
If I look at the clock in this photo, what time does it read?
8:27
